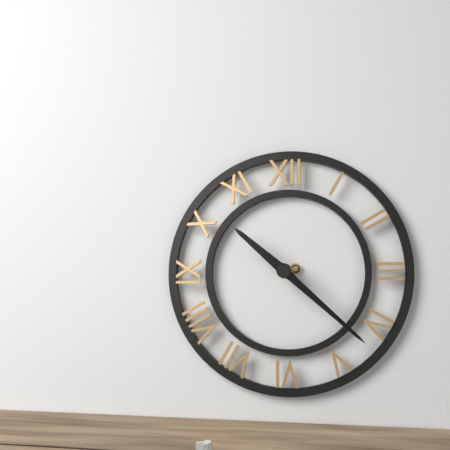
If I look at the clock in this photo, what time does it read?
10:22
